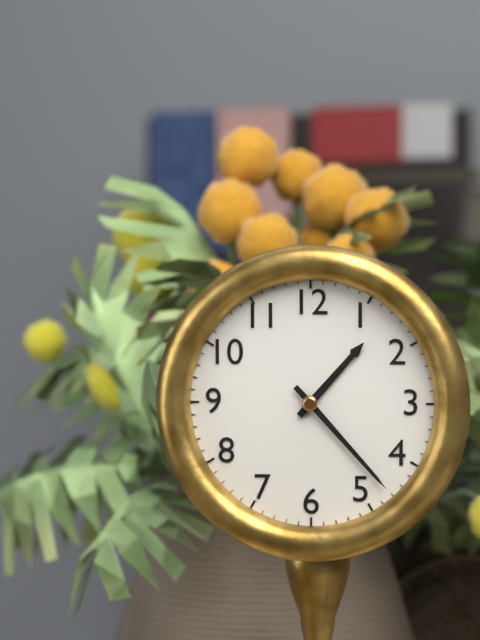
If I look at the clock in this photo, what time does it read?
1:23
